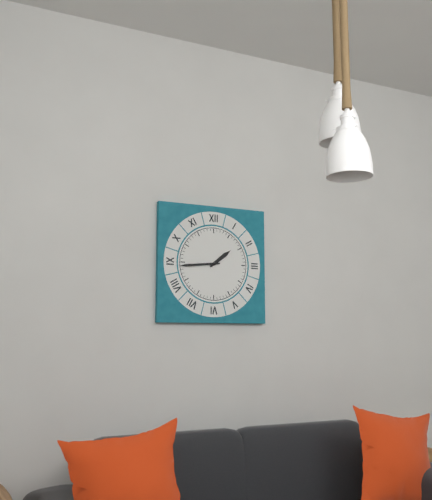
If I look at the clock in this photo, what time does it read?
1:44
